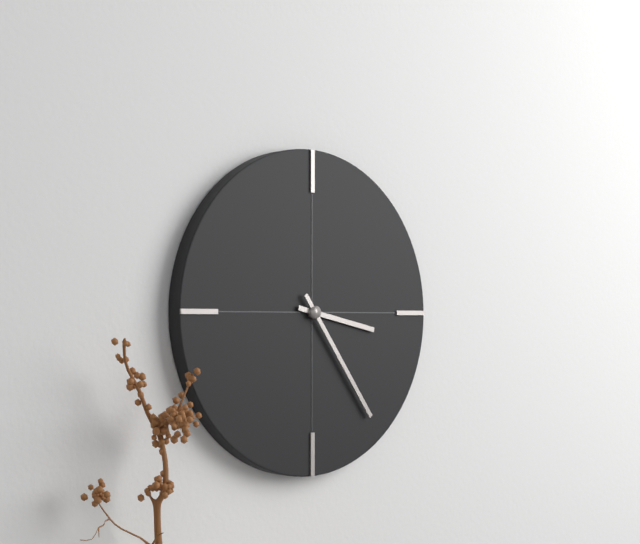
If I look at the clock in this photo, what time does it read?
3:24
